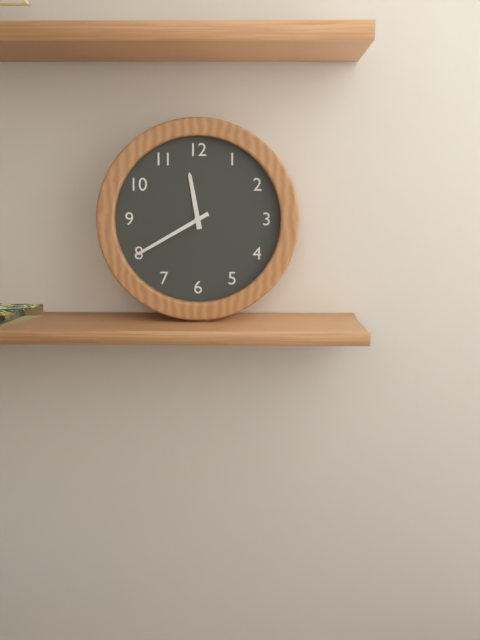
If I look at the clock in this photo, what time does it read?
11:40
